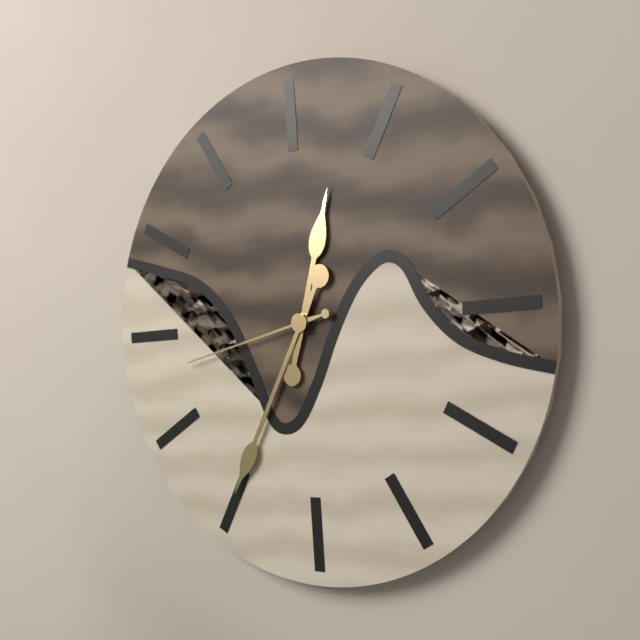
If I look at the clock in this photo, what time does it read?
12:35:43
